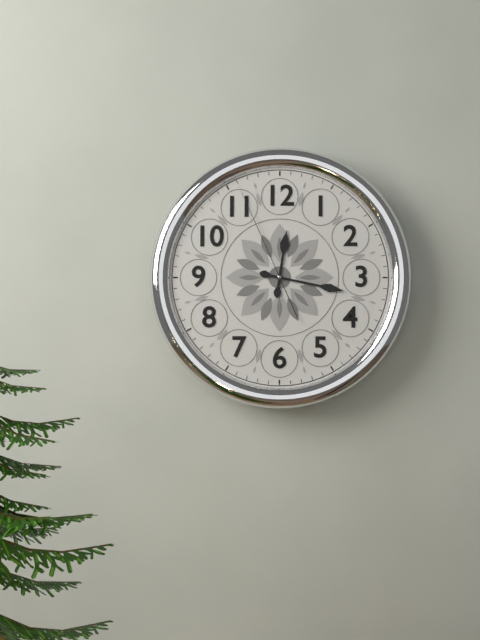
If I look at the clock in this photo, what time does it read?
12:17:56
